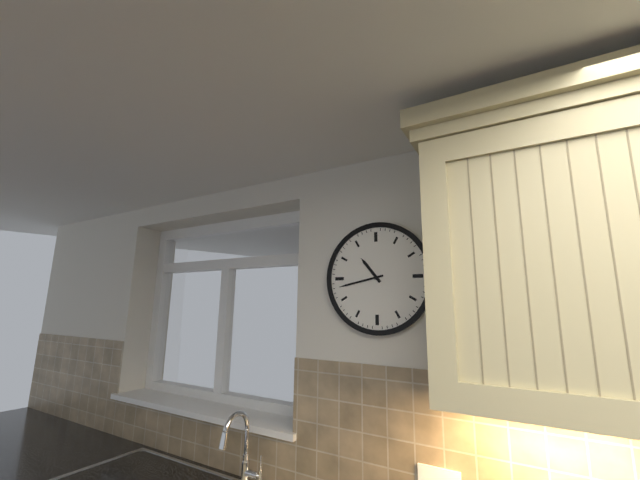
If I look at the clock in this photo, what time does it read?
10:43
